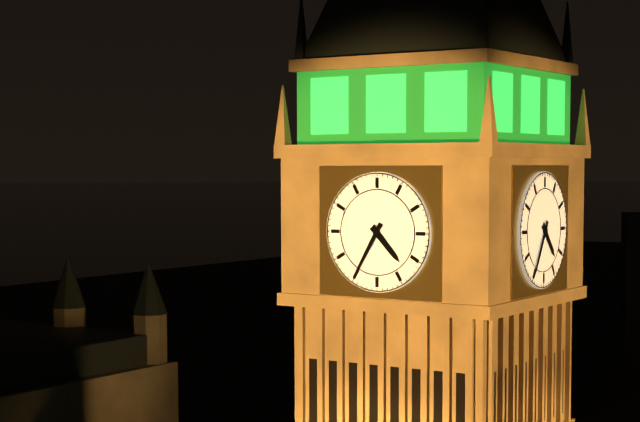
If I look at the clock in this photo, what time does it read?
4:35
